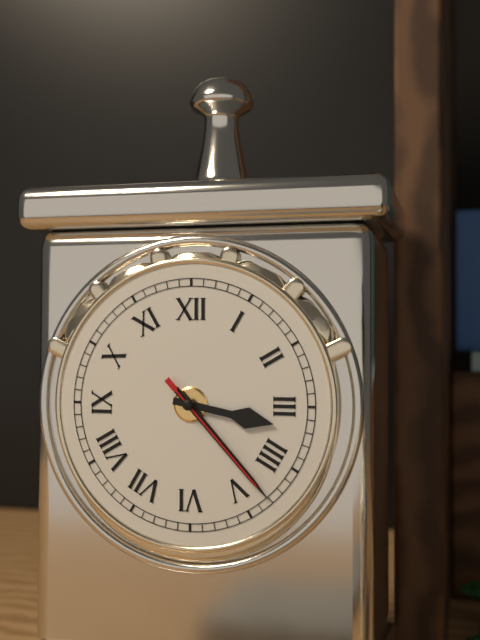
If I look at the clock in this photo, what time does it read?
3:23:23
